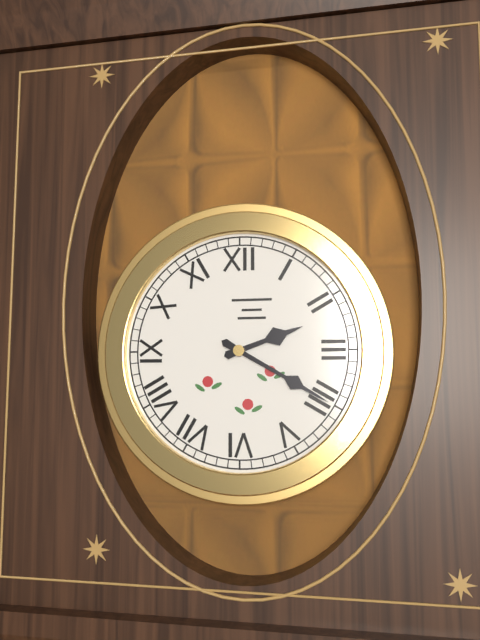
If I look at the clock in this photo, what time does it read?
2:20
